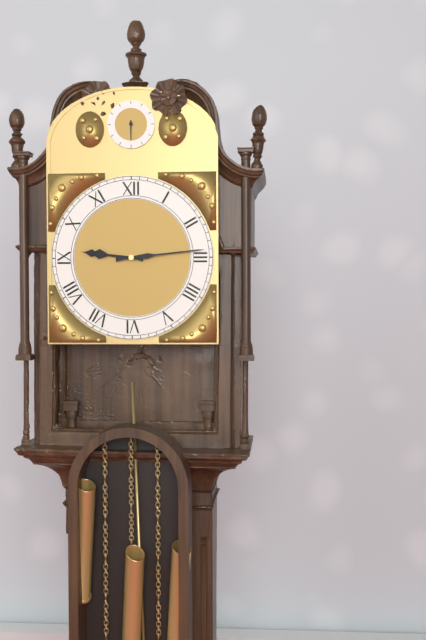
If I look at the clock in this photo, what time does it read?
9:14
